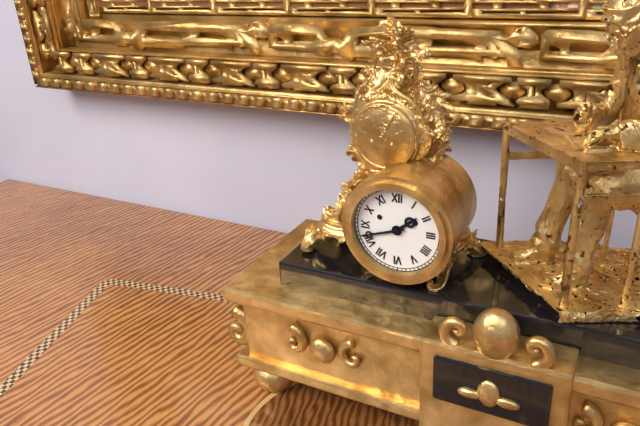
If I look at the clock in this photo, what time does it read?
1:42
